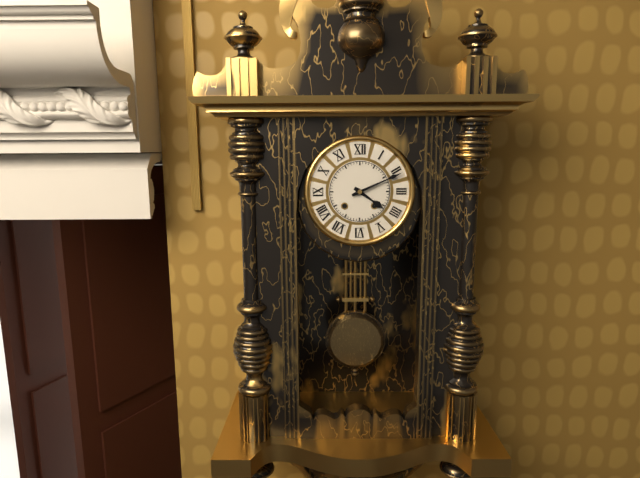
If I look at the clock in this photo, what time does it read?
4:11
